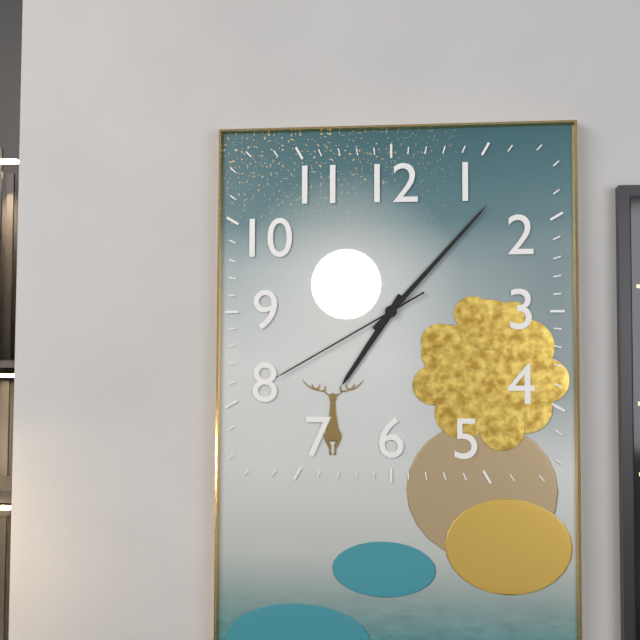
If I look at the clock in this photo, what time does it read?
7:07:40
